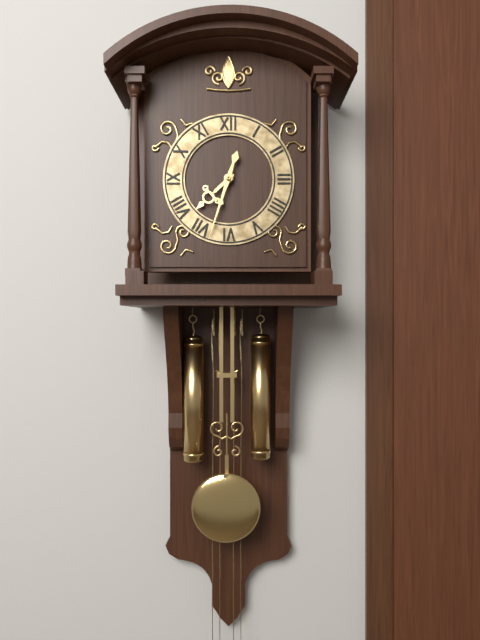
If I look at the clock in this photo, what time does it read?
7:33
